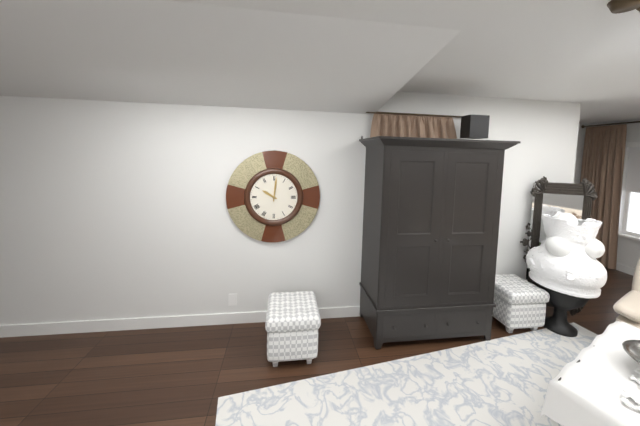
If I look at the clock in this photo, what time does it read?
10:01
